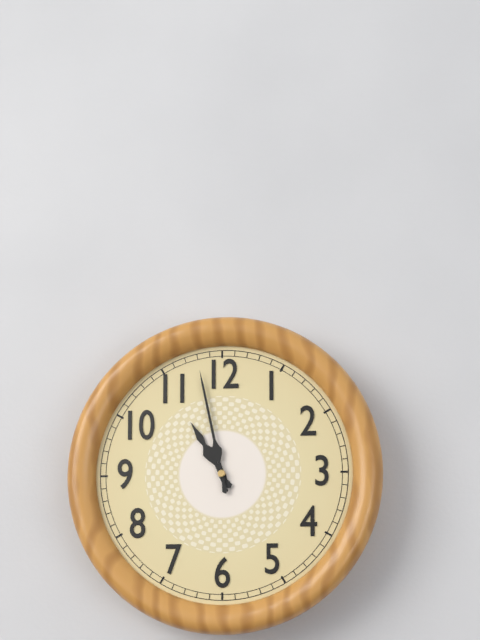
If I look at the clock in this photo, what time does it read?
10:58
